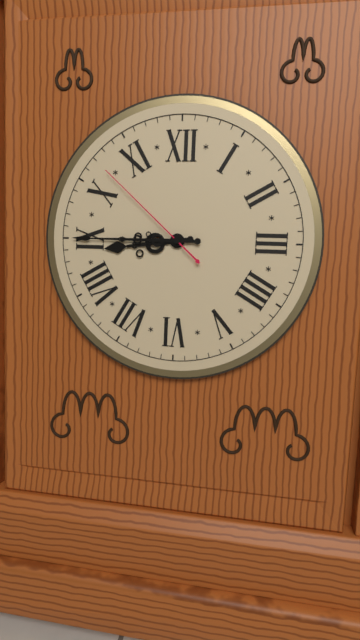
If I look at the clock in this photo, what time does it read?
8:45:52
